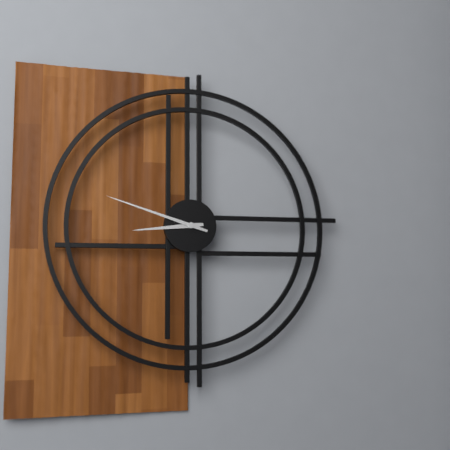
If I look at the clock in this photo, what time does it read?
8:48
